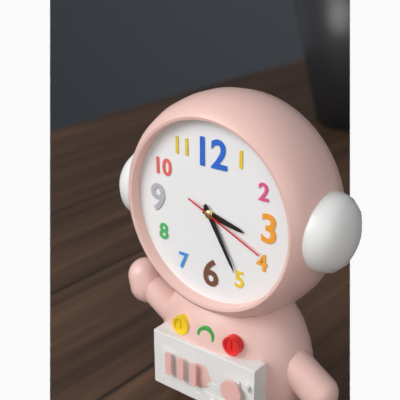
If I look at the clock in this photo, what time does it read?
3:25:19
